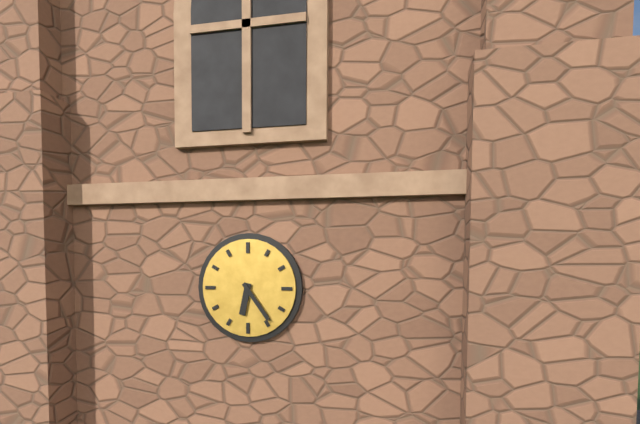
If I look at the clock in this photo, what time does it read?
6:24
